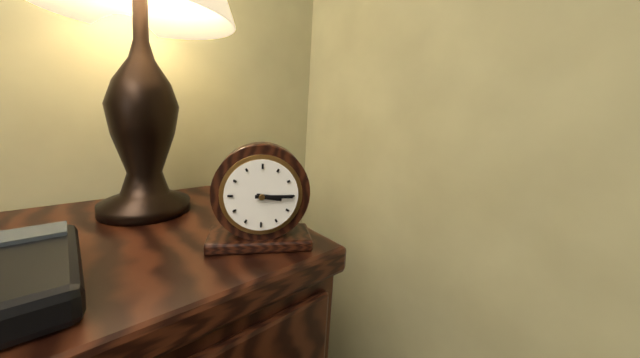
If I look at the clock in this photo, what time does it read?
3:15
